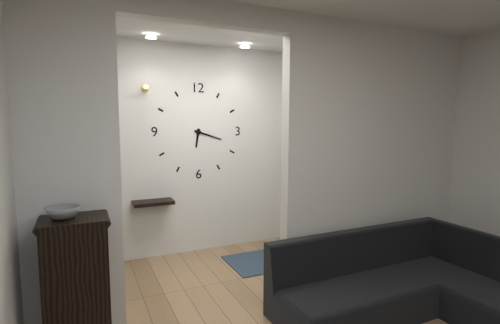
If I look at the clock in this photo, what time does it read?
6:18
